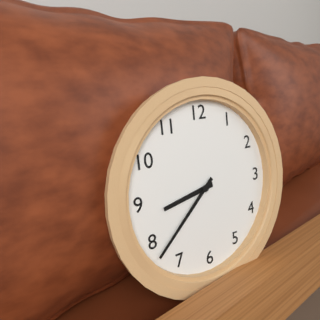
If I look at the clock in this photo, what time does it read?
8:38
